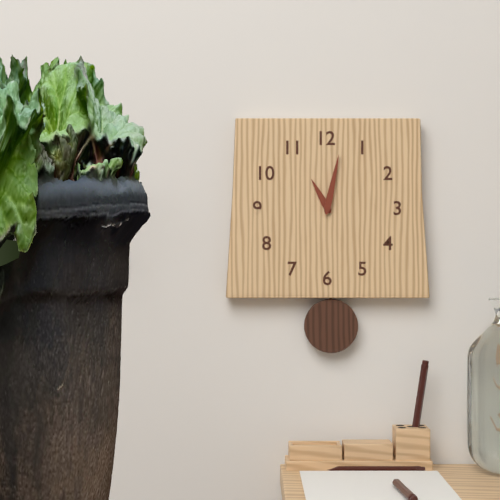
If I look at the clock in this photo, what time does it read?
11:02
